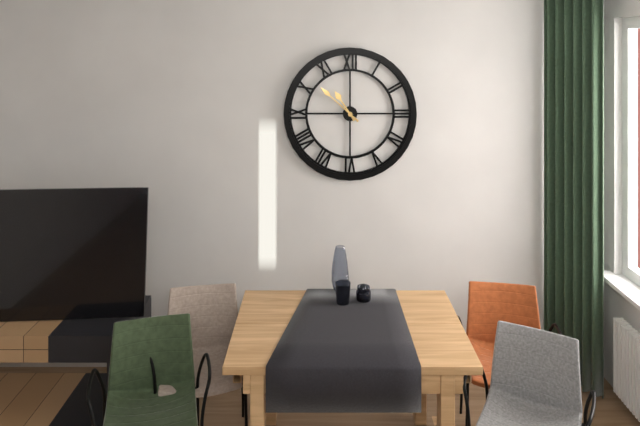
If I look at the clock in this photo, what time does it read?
10:52
